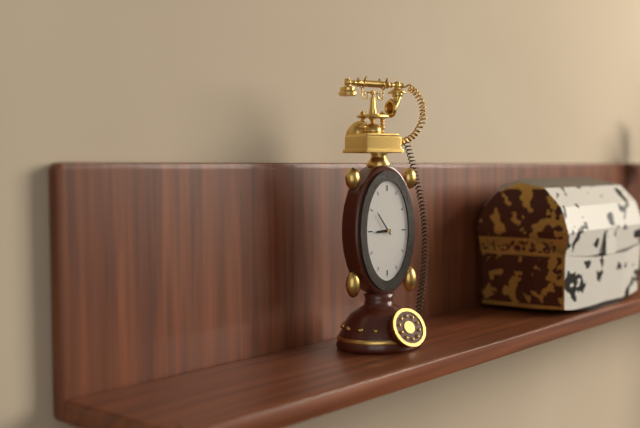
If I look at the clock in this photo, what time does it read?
8:54
